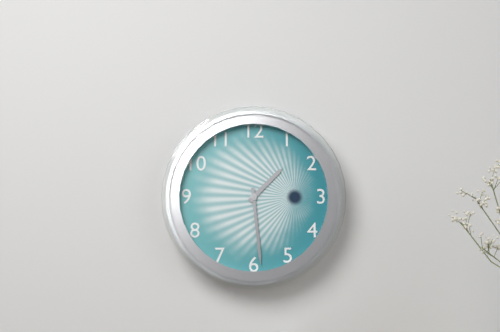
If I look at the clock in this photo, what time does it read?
1:29
